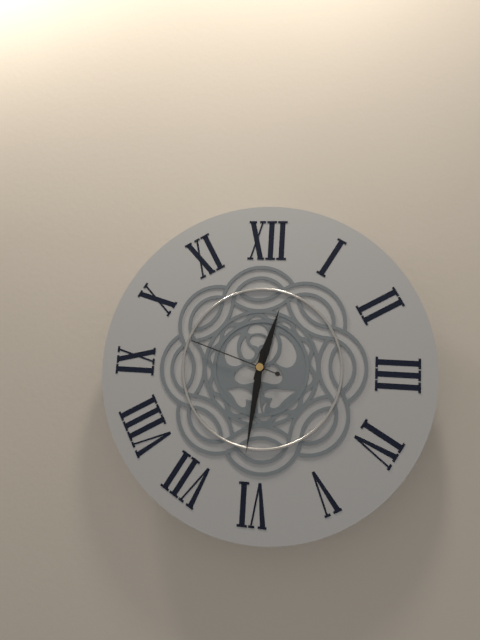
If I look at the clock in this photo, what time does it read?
12:31:48
